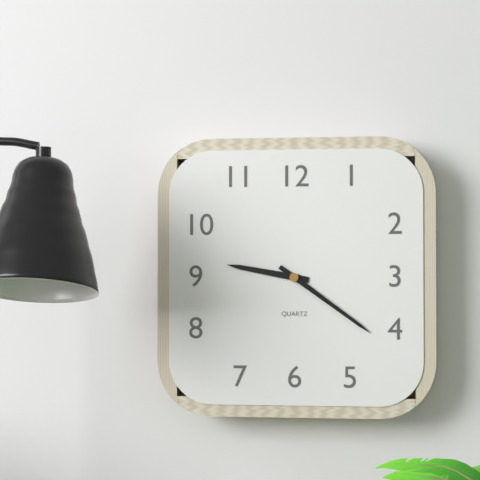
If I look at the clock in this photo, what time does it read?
9:21
